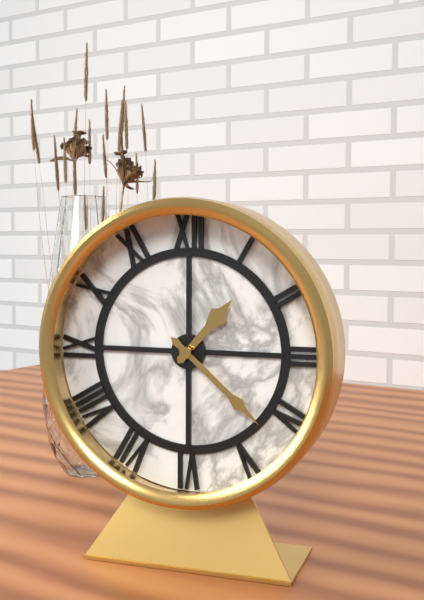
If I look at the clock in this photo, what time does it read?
1:22
